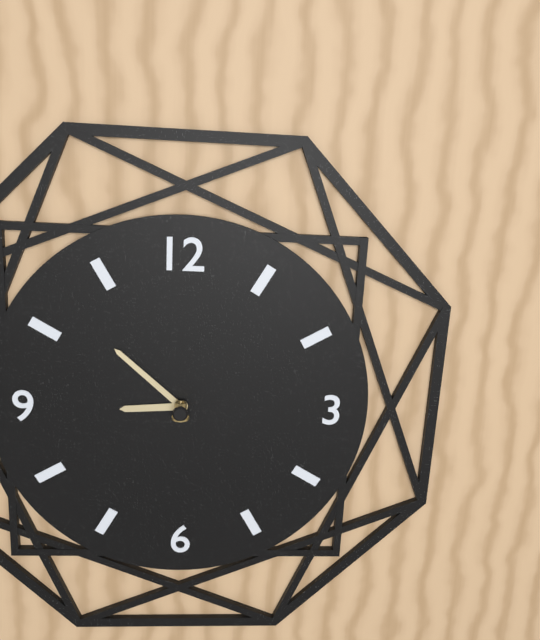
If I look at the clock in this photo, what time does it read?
8:52
